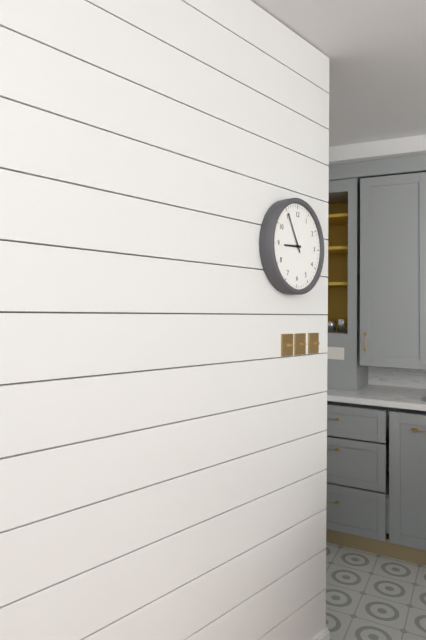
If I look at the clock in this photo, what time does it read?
8:55
